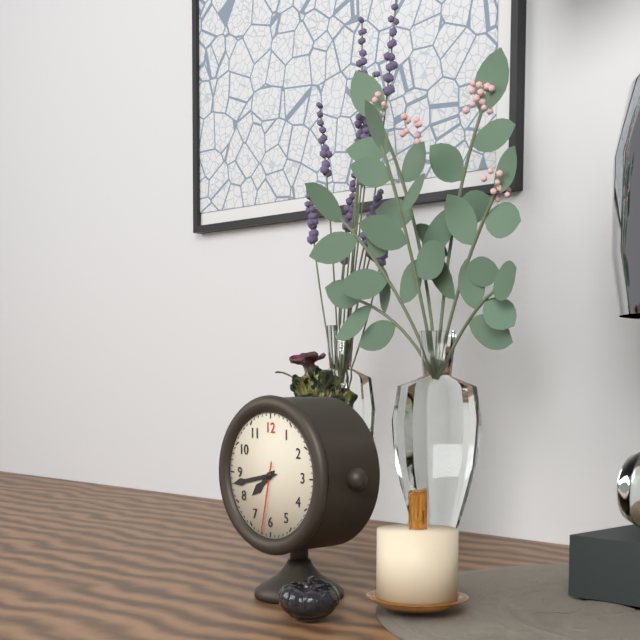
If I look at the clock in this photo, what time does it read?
7:43:32
